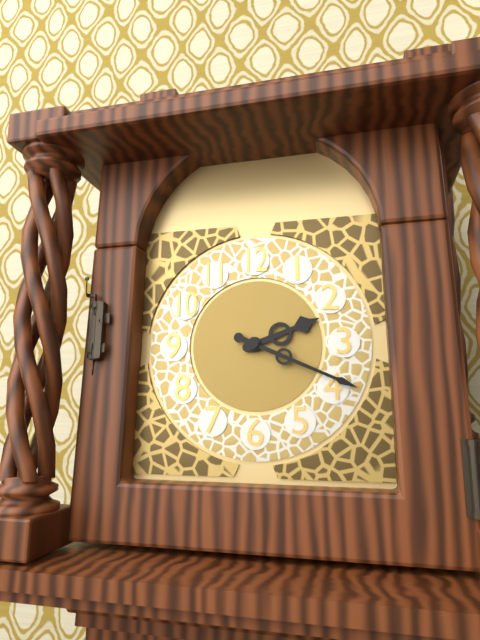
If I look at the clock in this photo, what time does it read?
2:19
